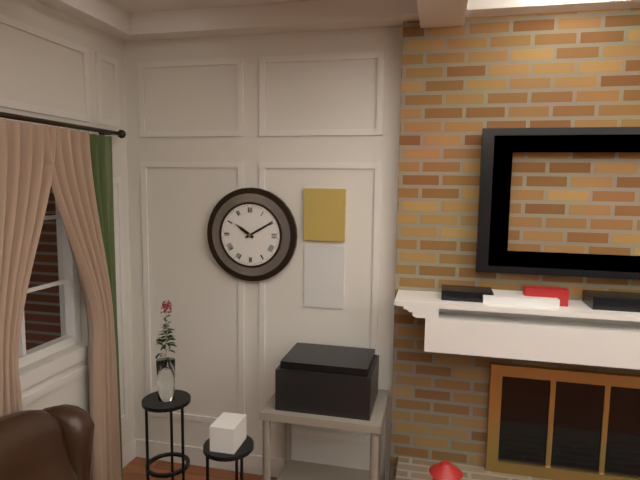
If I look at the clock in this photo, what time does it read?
10:10
